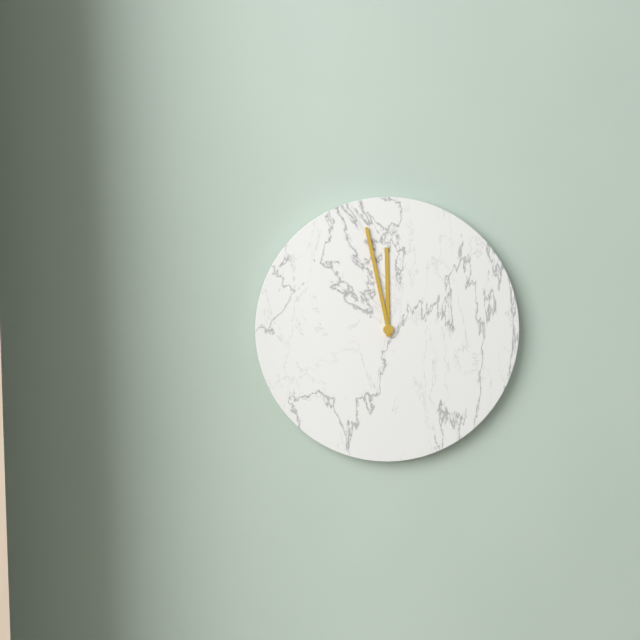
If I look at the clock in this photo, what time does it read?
11:58
